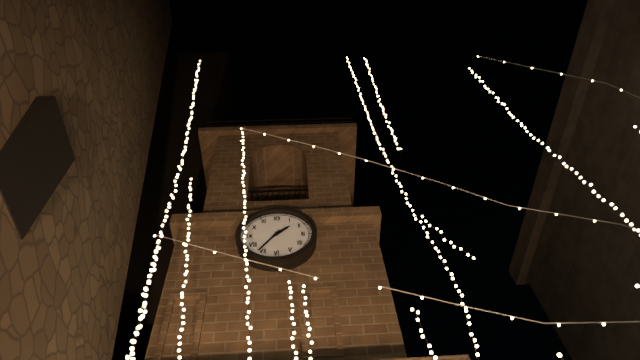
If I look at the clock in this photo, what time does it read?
1:36
